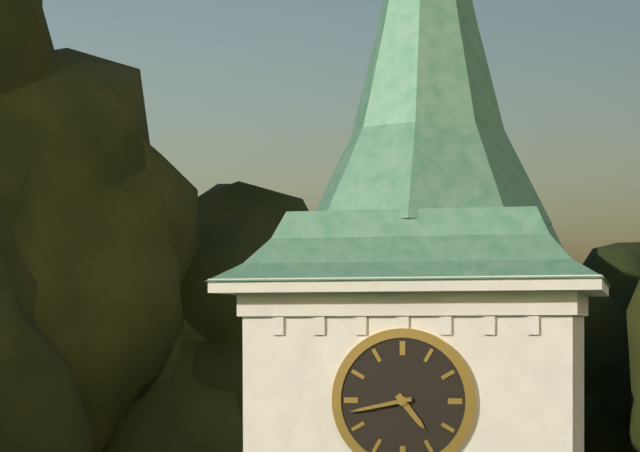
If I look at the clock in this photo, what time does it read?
4:43
